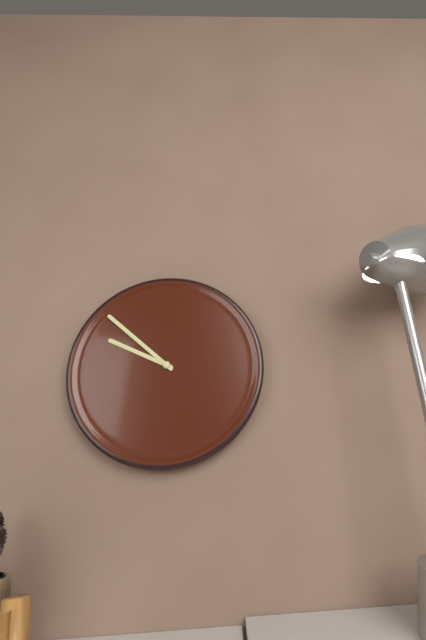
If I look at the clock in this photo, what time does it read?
9:52
